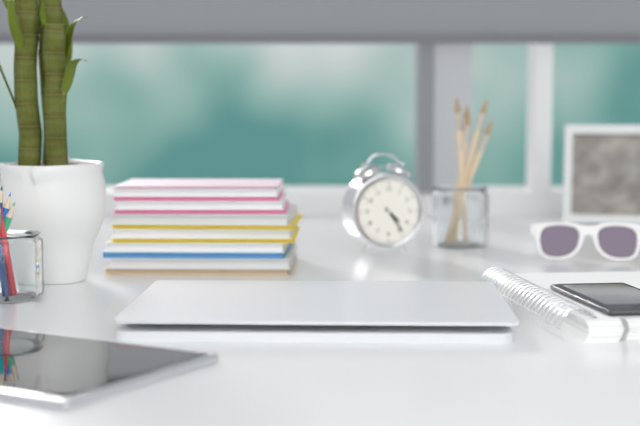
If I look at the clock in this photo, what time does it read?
4:24
